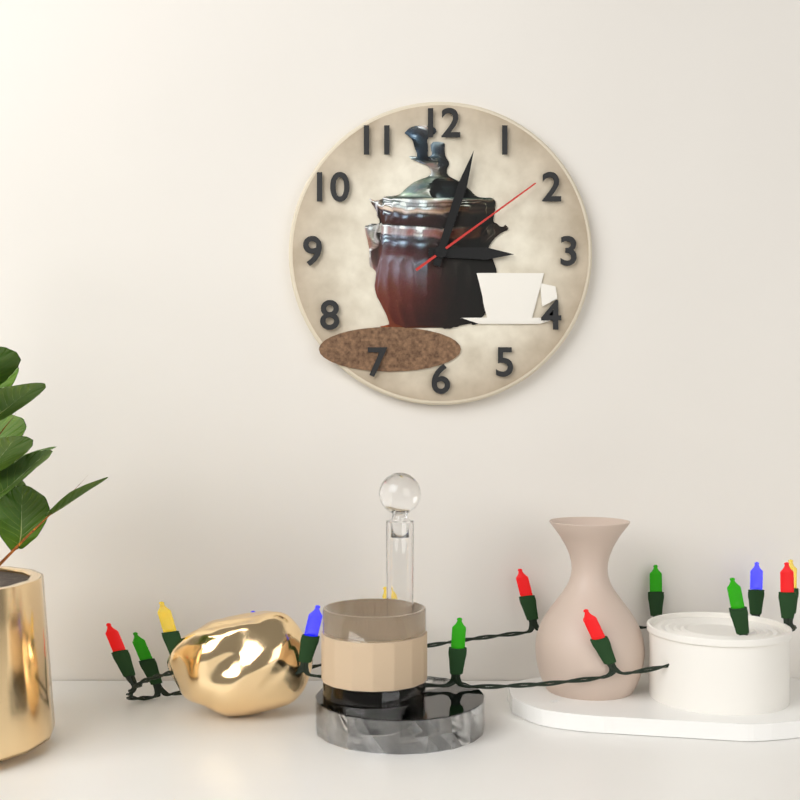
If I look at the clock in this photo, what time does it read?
3:03:09
